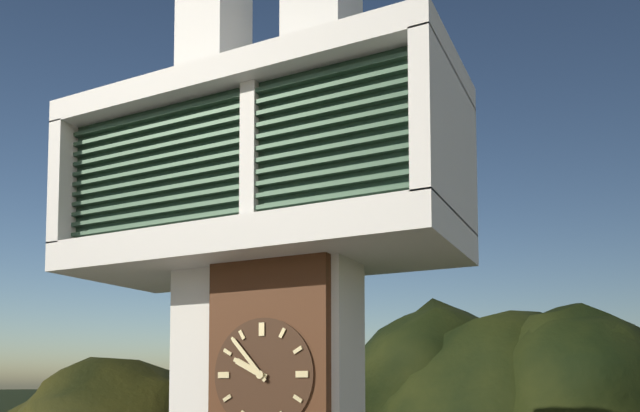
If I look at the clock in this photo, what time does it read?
9:53
